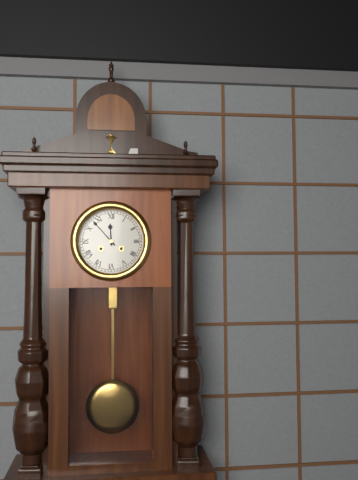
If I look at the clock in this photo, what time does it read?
11:53
